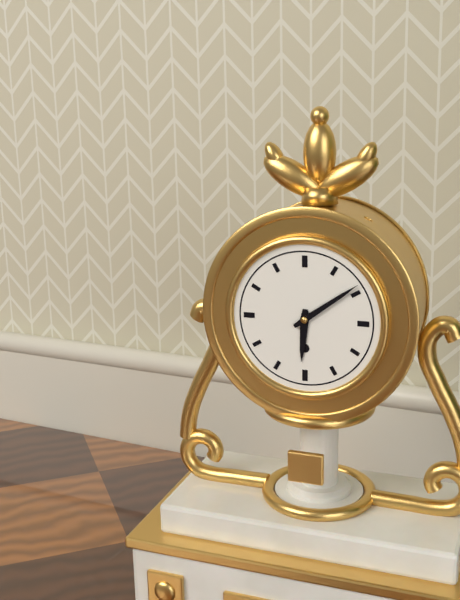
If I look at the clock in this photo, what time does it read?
6:09
